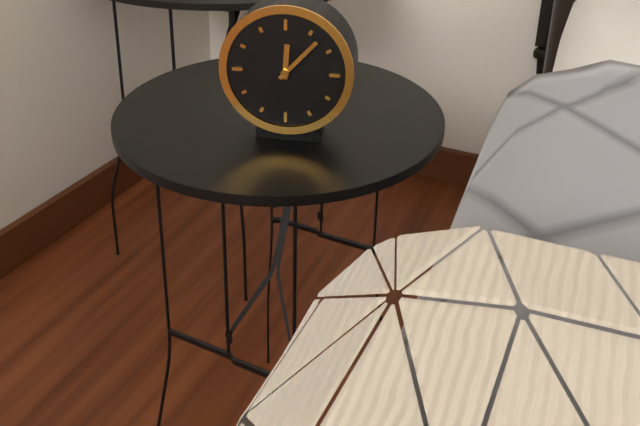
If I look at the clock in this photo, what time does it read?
12:07
